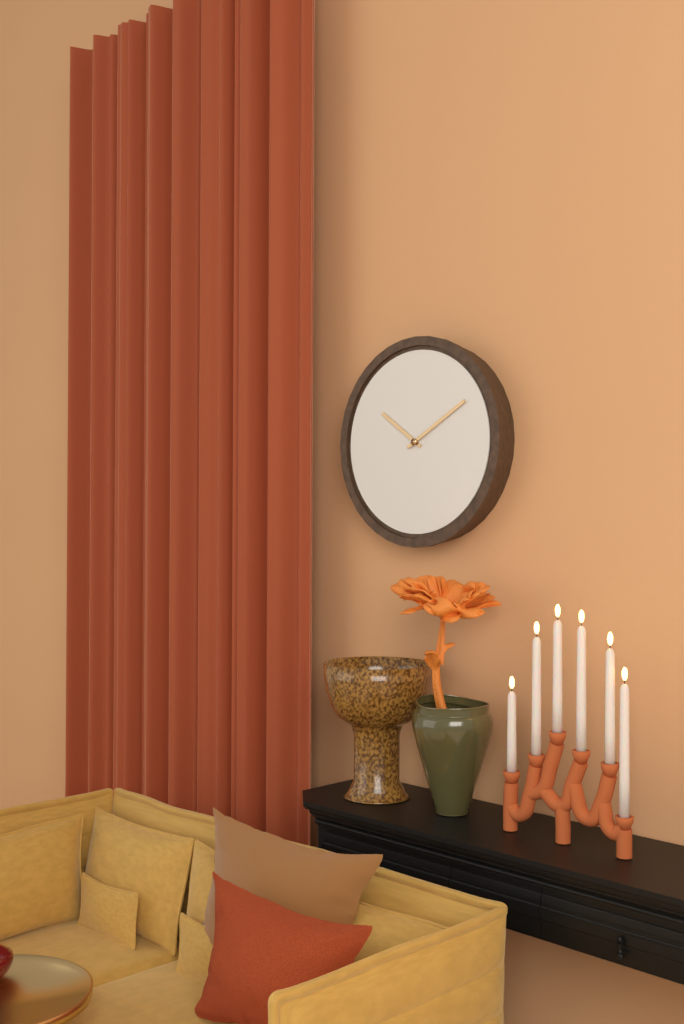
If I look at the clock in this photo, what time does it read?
10:10
